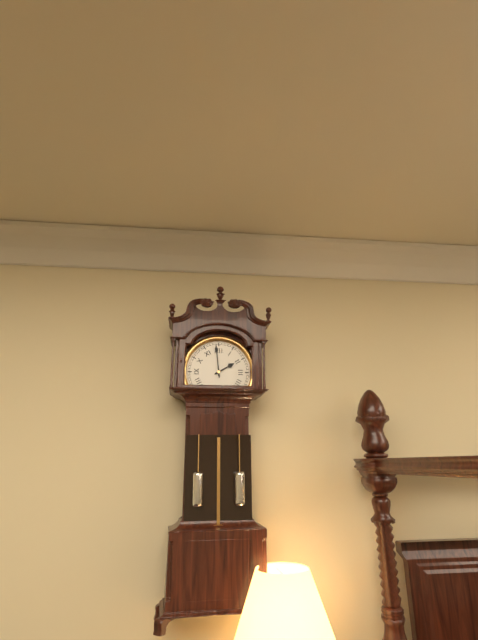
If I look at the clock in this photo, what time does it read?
1:59
